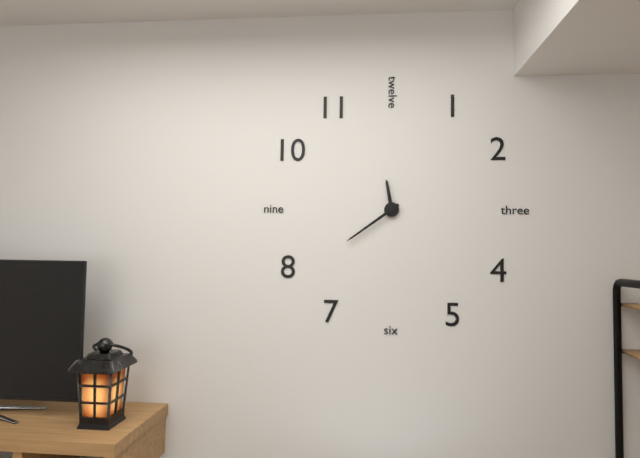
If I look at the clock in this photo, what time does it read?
11:39
